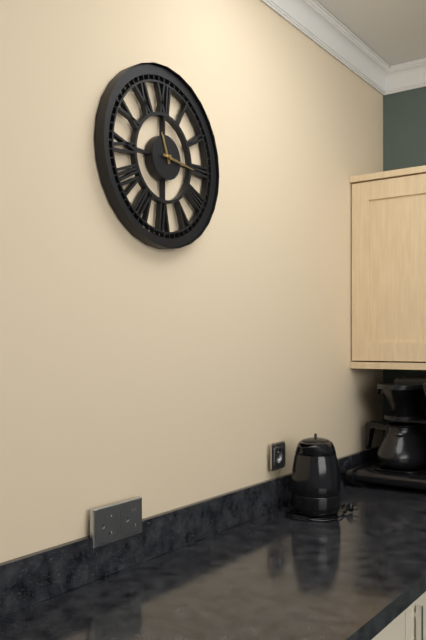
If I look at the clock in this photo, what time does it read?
11:16
